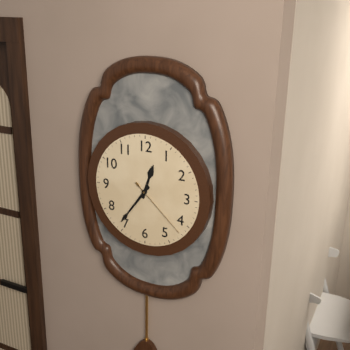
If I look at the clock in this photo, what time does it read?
12:36:22
